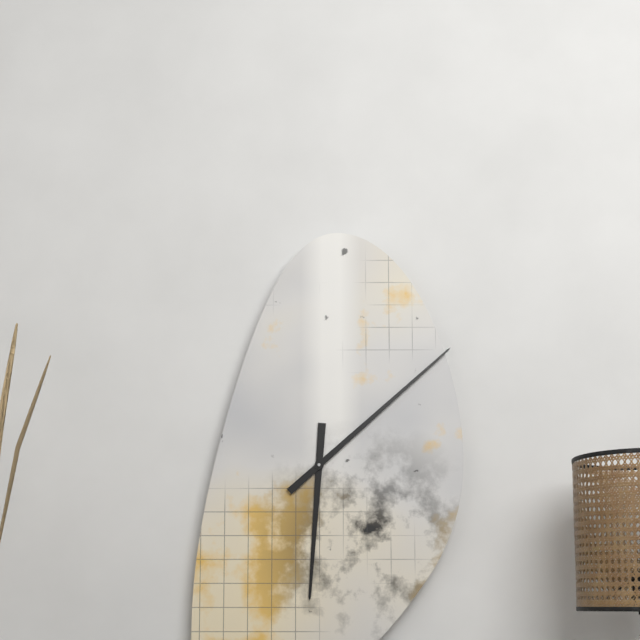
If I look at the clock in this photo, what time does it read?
6:08
